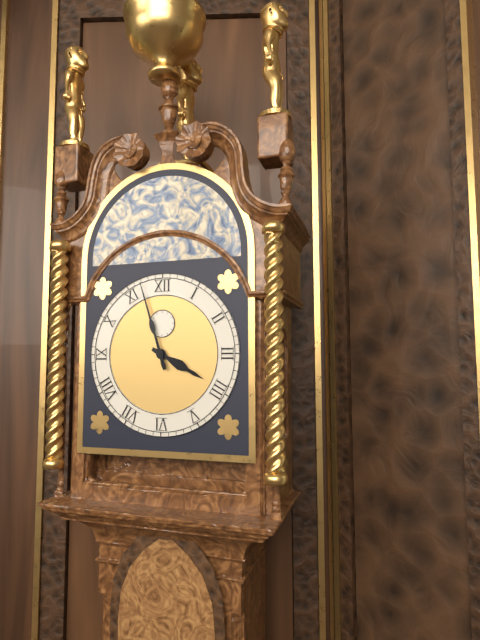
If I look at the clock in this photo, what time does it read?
3:57
